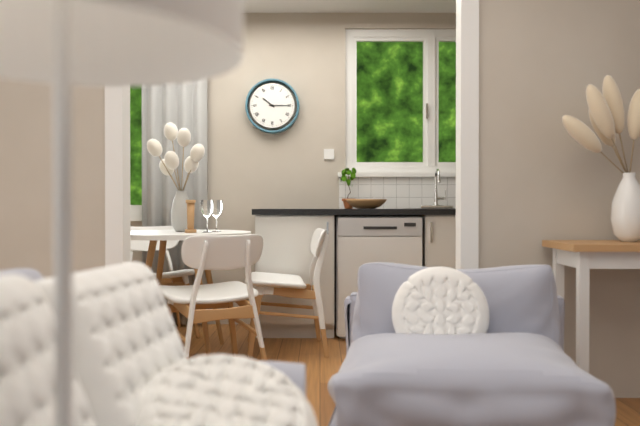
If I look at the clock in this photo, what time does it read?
10:15
